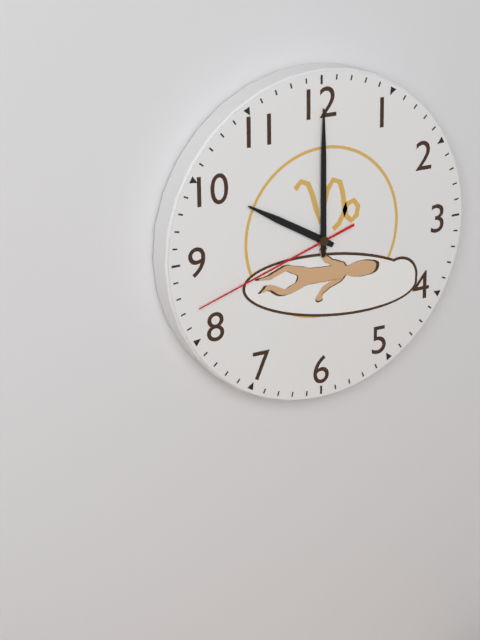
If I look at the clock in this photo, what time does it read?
10:00:42
